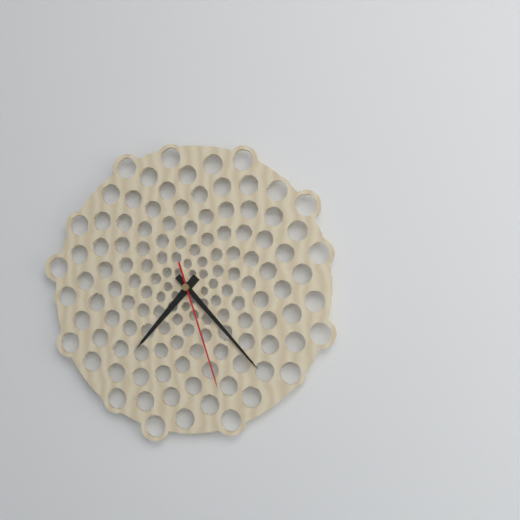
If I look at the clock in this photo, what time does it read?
7:23:27
